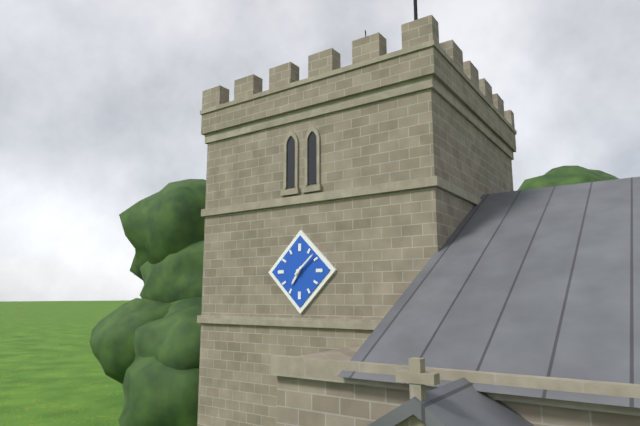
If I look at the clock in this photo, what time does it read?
7:08
